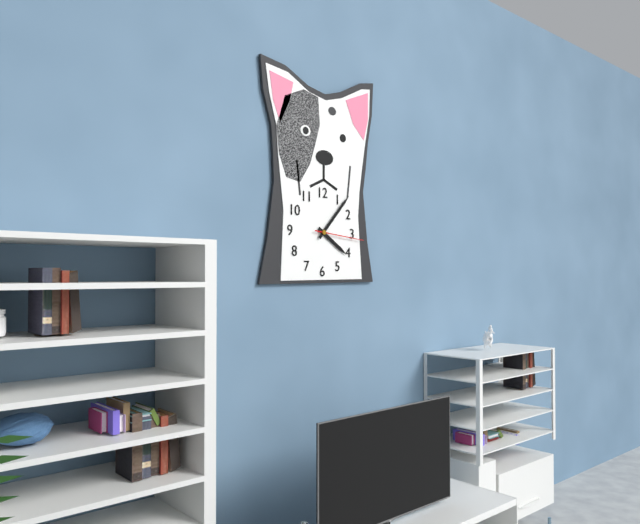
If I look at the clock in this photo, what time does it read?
4:07:16
